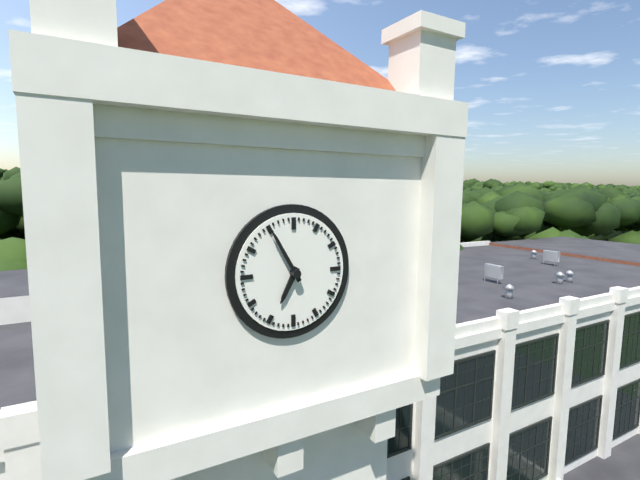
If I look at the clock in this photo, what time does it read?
6:55
